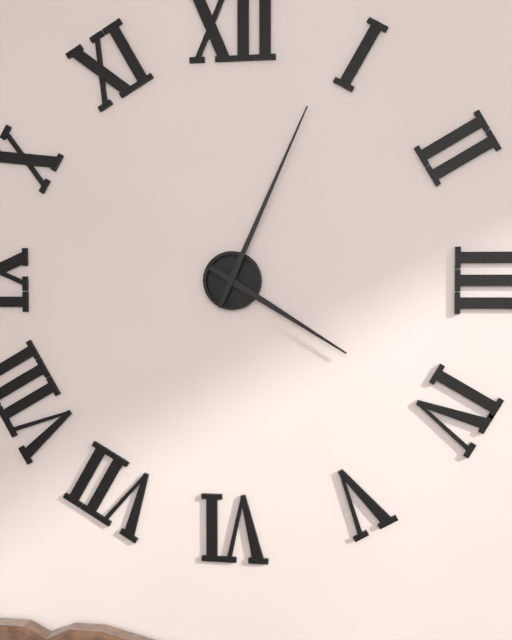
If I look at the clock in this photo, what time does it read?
4:04
